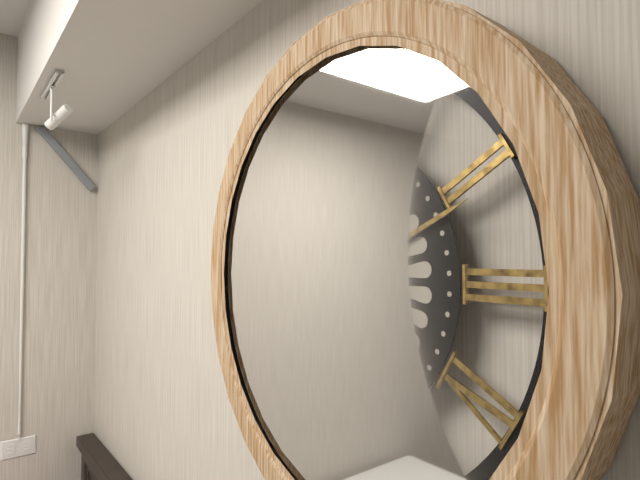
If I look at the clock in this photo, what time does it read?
7:11
